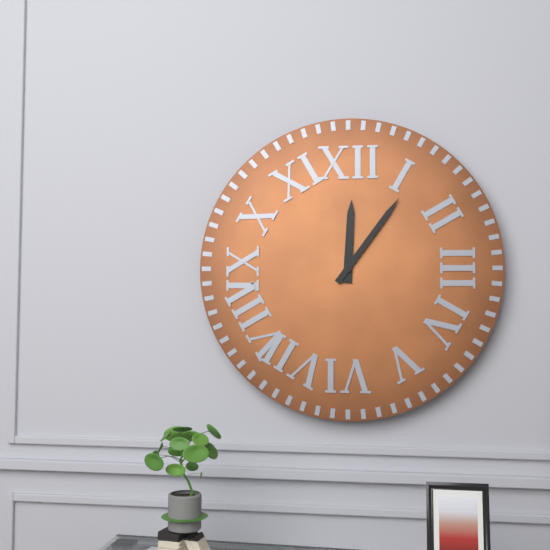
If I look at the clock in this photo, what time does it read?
12:06
